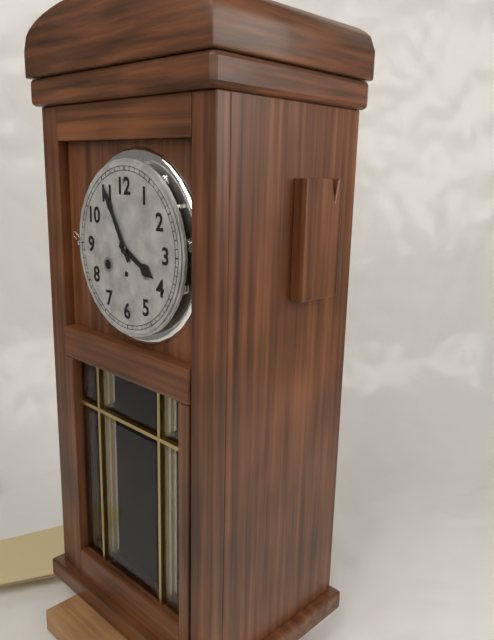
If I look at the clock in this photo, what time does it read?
3:55
